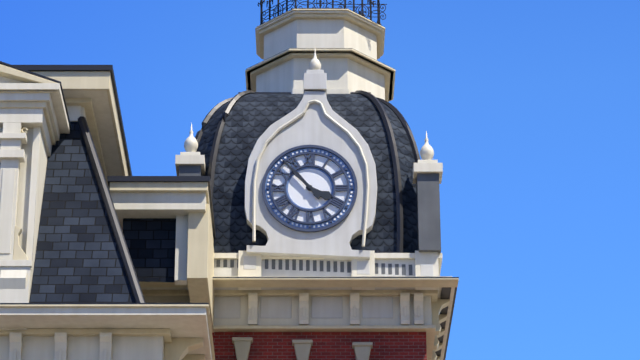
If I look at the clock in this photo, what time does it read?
3:53
